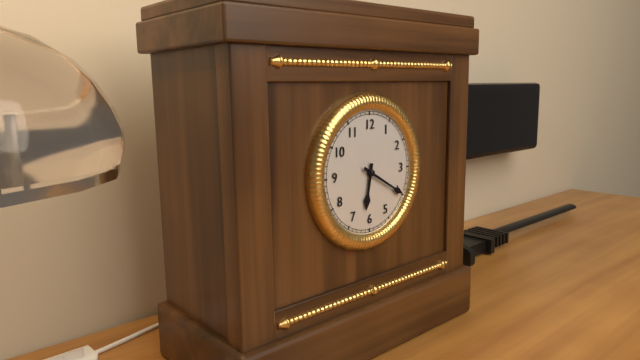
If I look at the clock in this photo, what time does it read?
6:20
